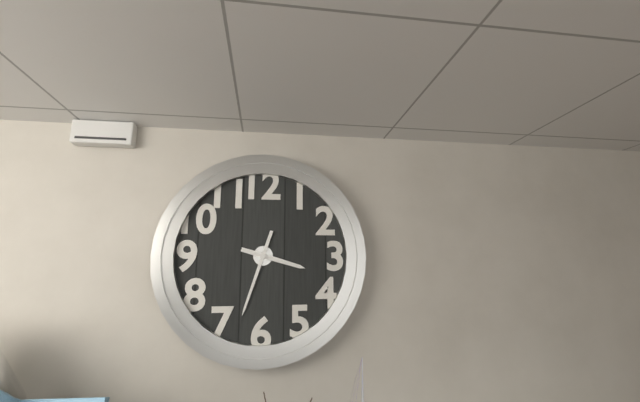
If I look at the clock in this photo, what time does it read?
3:33
